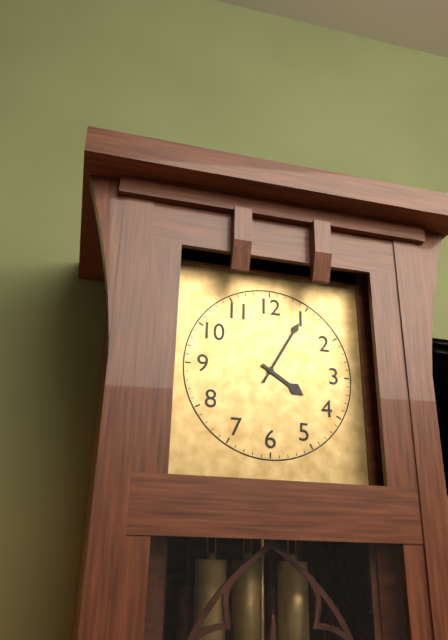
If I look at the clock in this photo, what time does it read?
4:05
